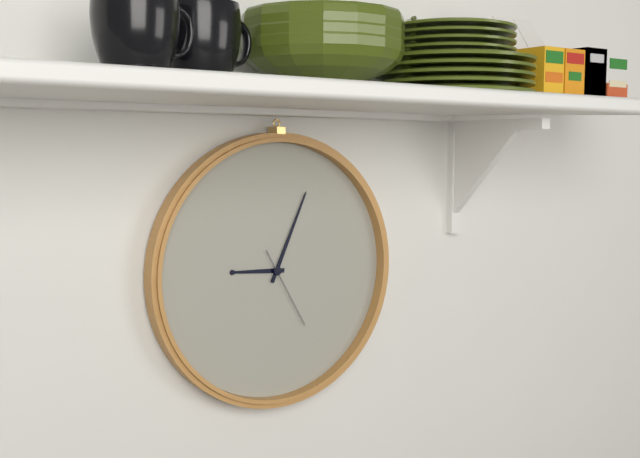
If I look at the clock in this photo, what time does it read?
9:04:25
